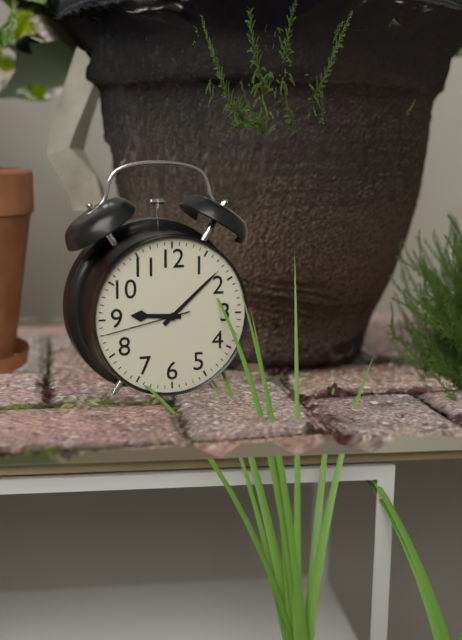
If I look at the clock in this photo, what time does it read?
9:08:43
